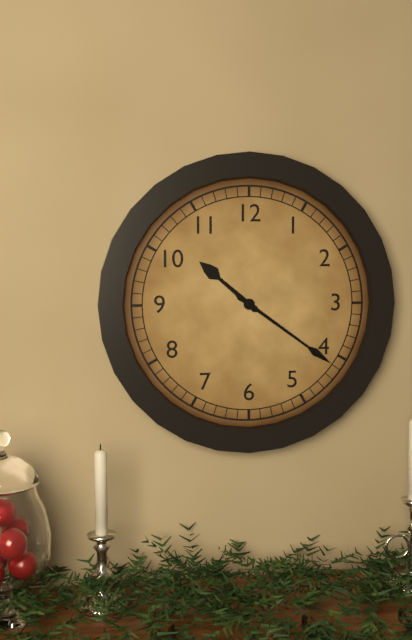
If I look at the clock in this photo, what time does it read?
10:21
